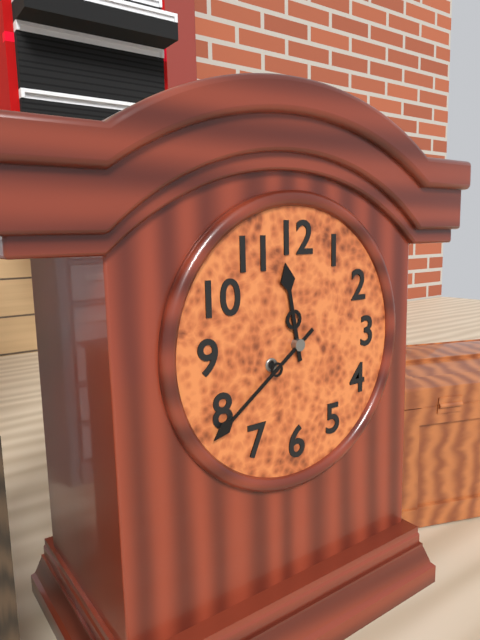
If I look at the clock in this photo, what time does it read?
11:39
